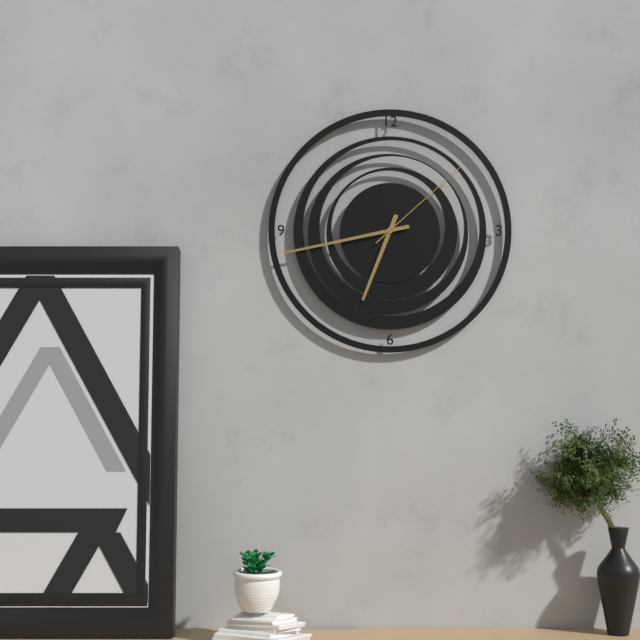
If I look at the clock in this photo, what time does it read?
6:43:08
